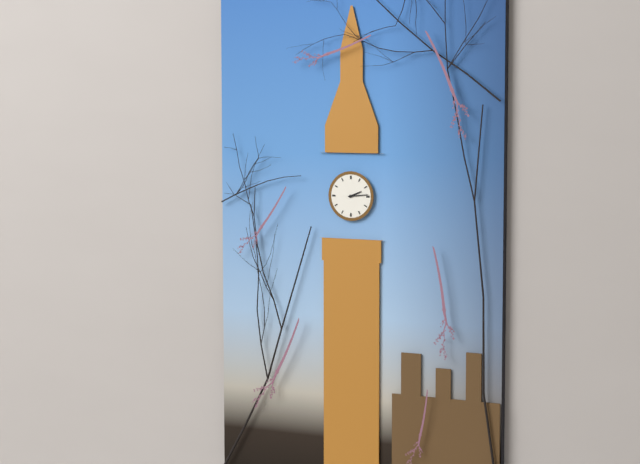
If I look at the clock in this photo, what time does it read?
2:14
